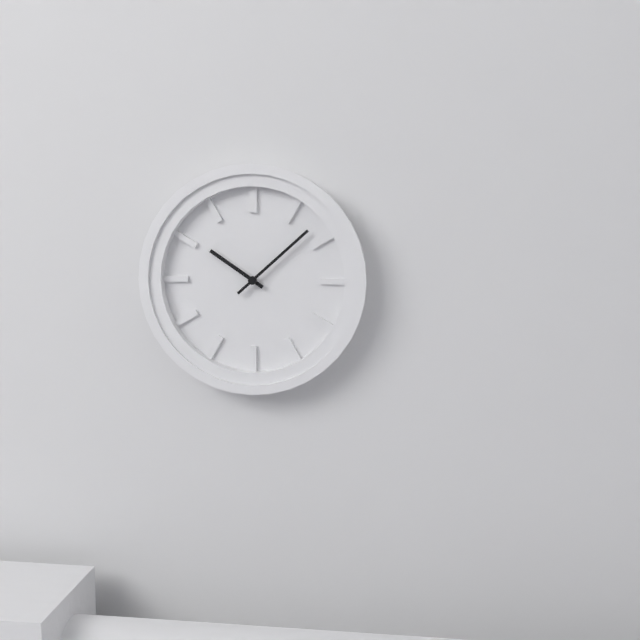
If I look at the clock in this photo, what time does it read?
10:08
